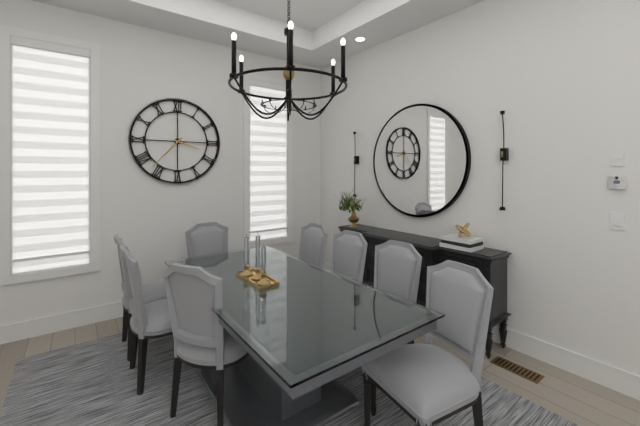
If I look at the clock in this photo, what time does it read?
3:37
